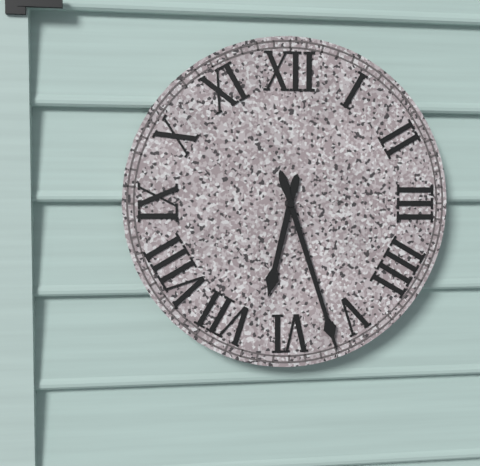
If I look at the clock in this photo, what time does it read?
6:27
